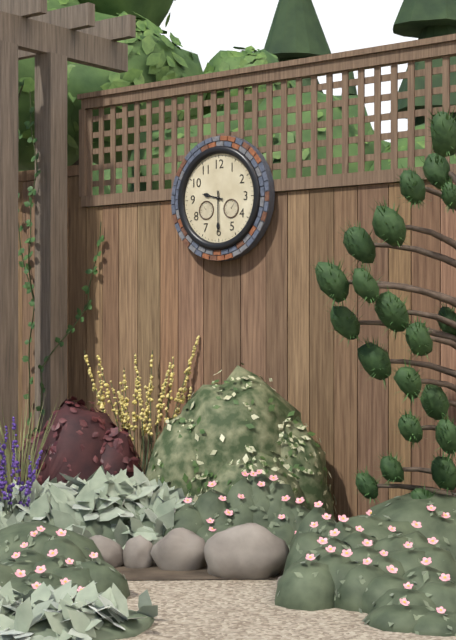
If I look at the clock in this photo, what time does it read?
9:30
